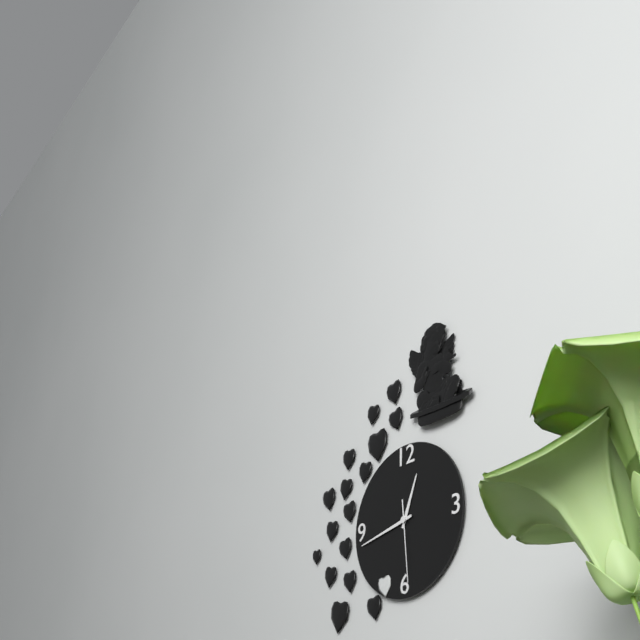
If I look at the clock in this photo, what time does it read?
12:43:29
